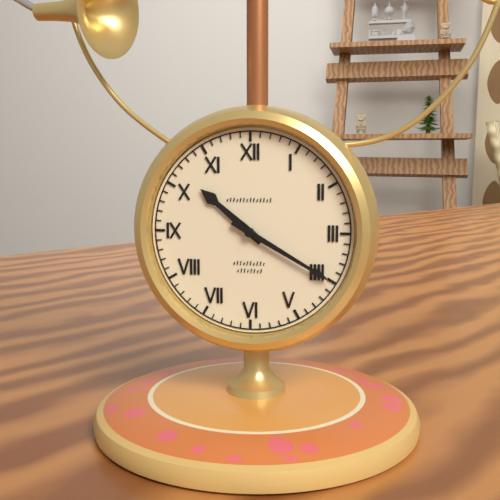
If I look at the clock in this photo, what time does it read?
10:20
